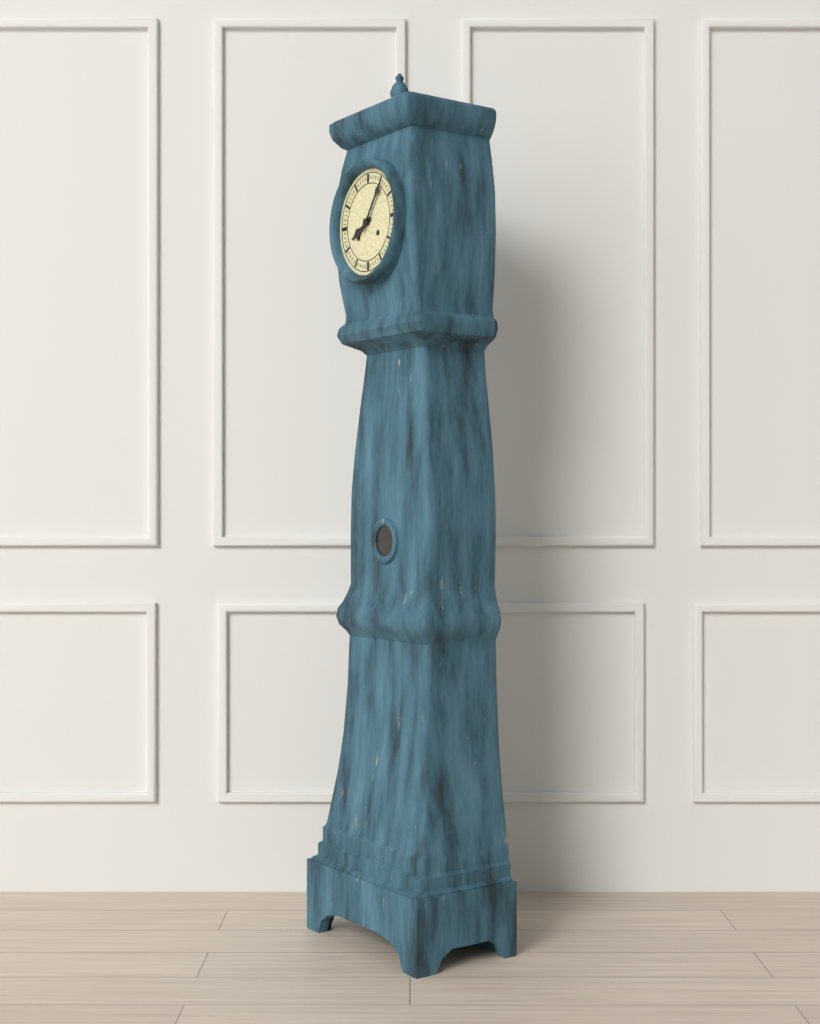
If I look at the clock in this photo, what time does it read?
8:06
